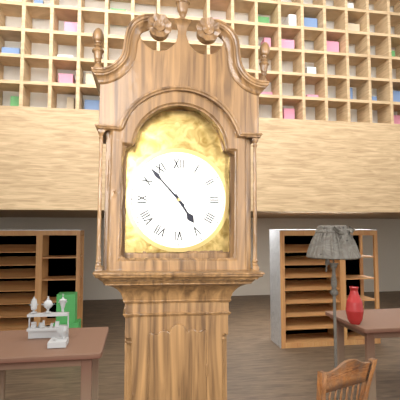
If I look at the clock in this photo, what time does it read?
4:53
